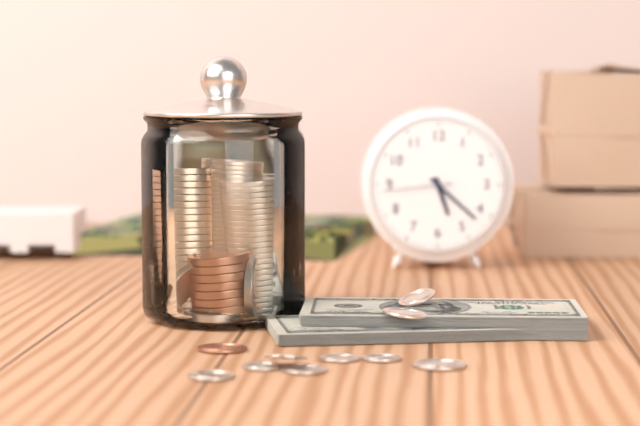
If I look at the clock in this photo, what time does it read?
5:22:44
